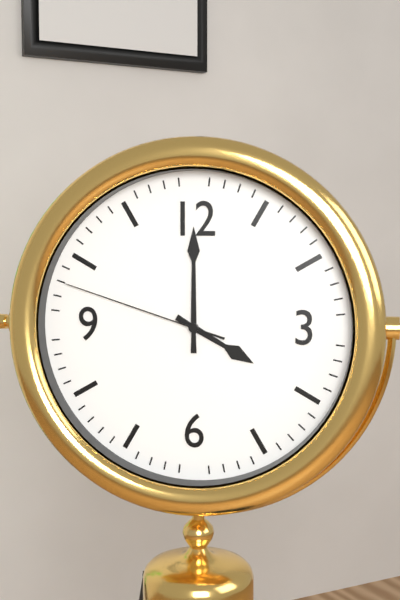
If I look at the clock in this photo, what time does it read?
4:00:48
